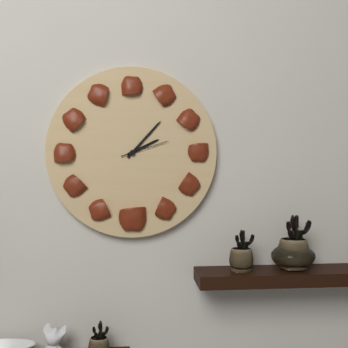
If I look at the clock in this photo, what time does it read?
2:07
